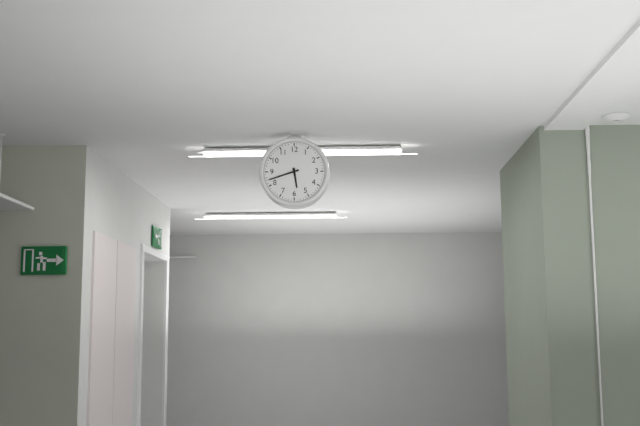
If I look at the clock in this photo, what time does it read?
5:42
